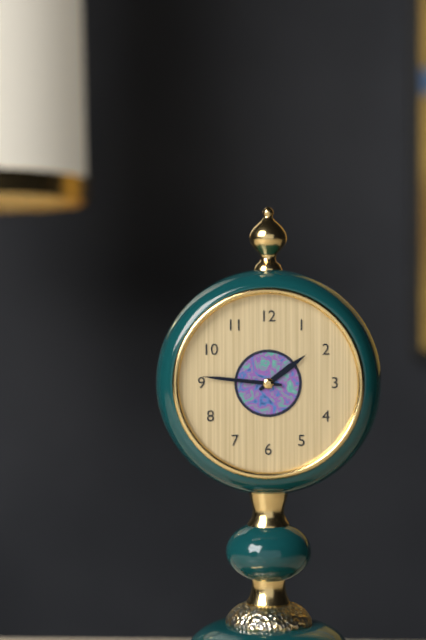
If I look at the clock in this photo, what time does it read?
1:46
